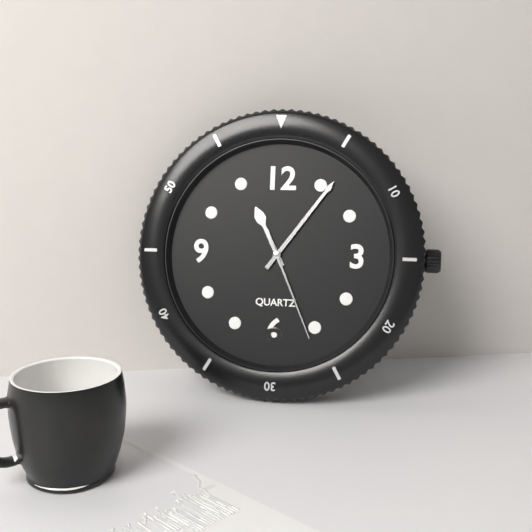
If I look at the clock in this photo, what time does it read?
11:06:26
